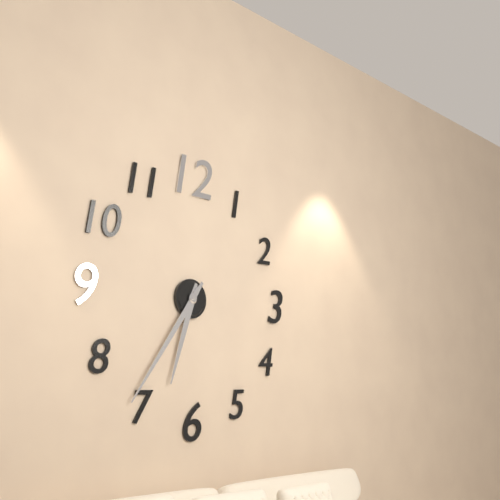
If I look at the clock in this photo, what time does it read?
6:36
